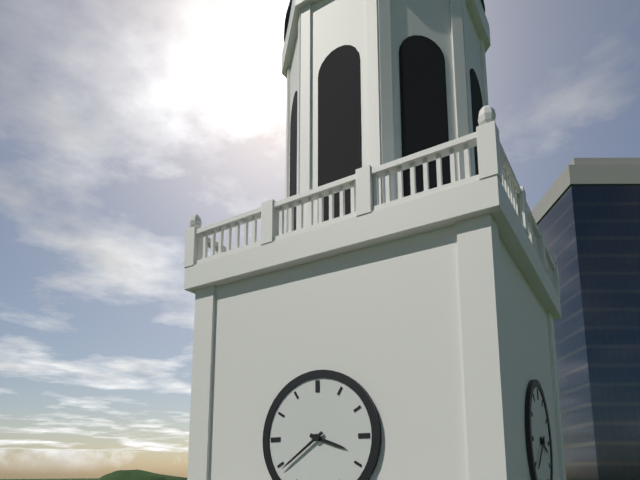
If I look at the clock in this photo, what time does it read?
3:39
